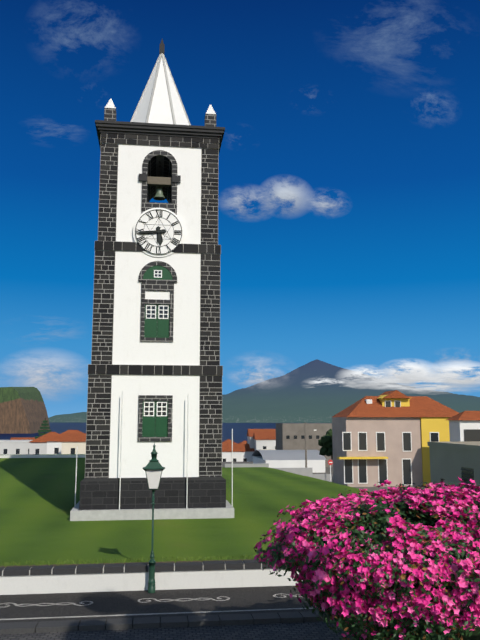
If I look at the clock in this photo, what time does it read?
5:44
